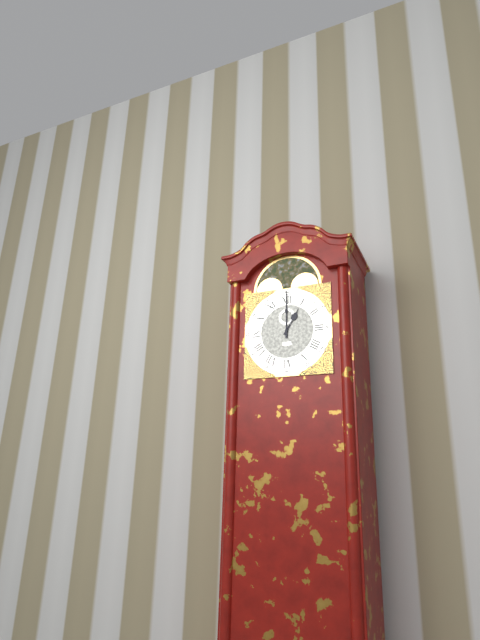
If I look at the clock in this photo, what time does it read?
1:00
